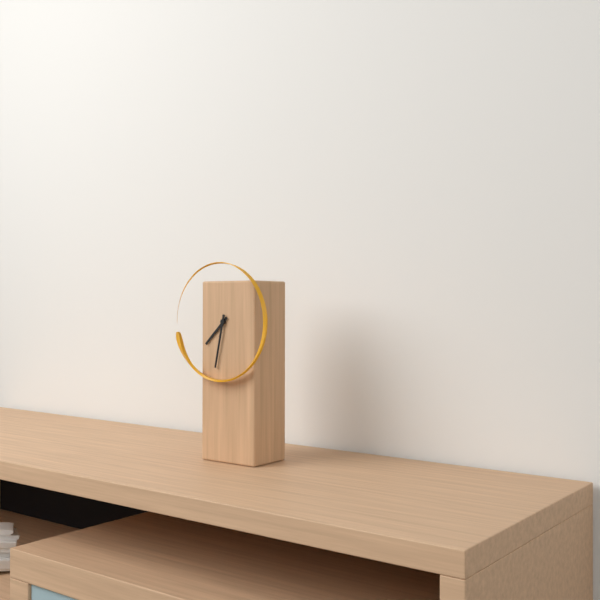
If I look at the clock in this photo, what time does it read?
7:32
